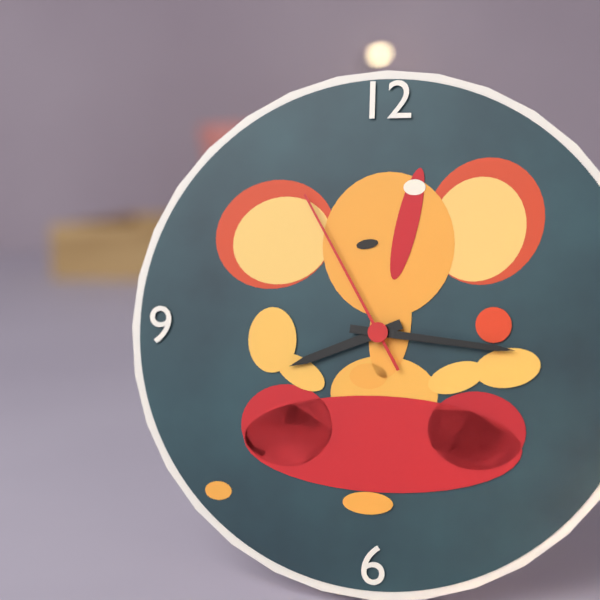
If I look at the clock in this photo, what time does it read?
8:16:55
